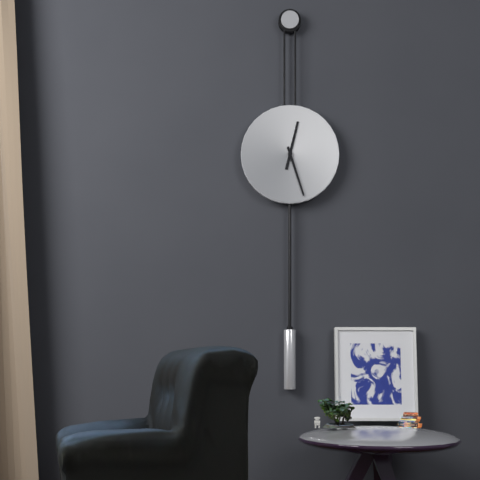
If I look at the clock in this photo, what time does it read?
12:27
